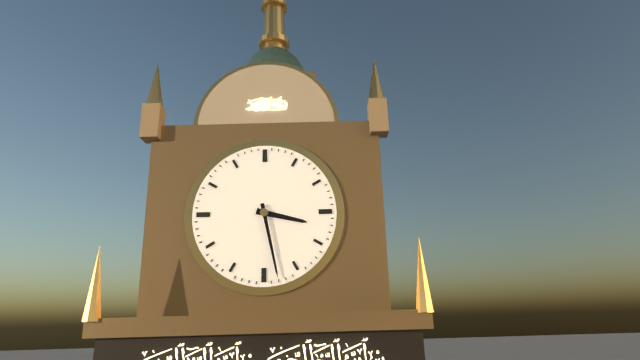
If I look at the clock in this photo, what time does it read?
3:28
